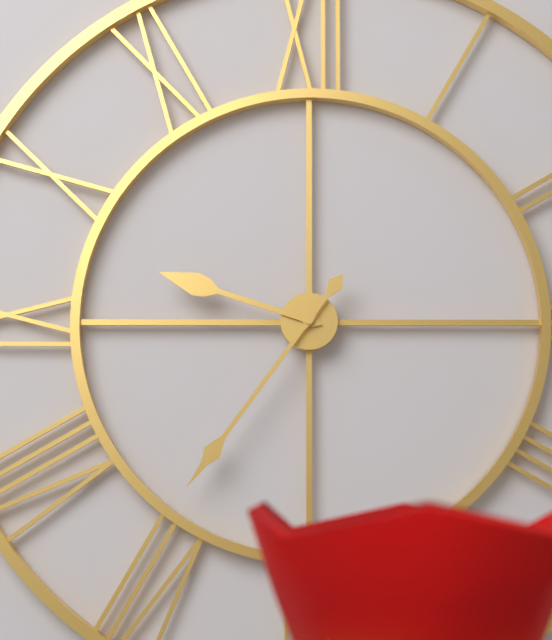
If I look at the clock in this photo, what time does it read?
9:36
